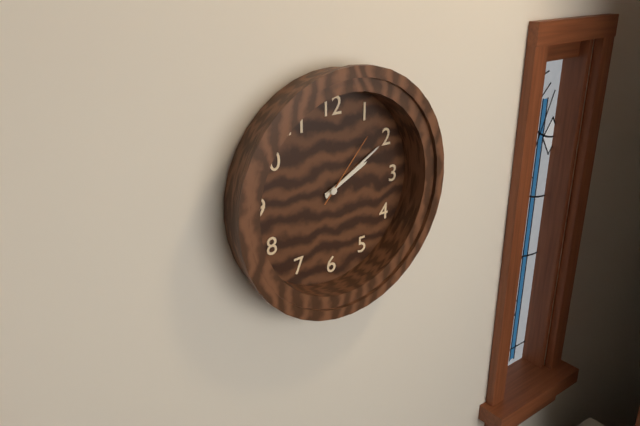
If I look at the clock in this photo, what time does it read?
2:10:07
